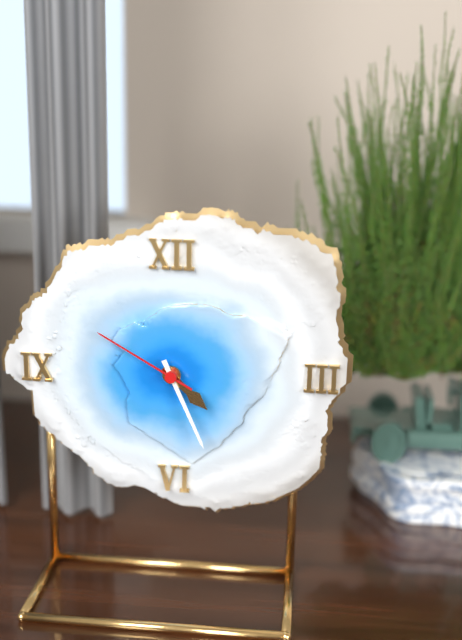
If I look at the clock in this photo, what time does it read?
4:26:50
